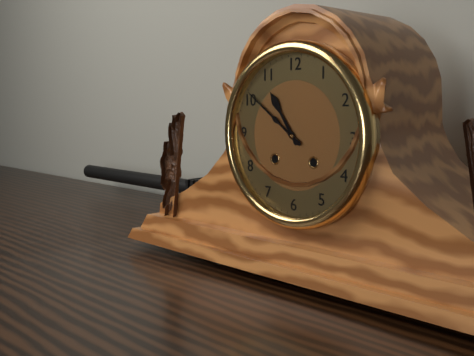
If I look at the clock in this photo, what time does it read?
10:51
